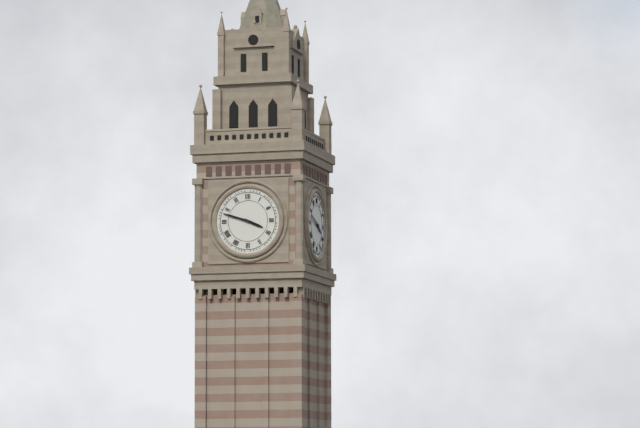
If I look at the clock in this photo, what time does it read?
3:48
